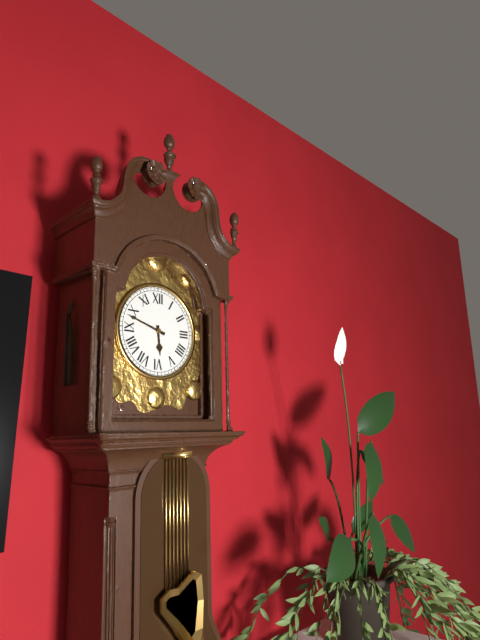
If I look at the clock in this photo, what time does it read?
5:48
